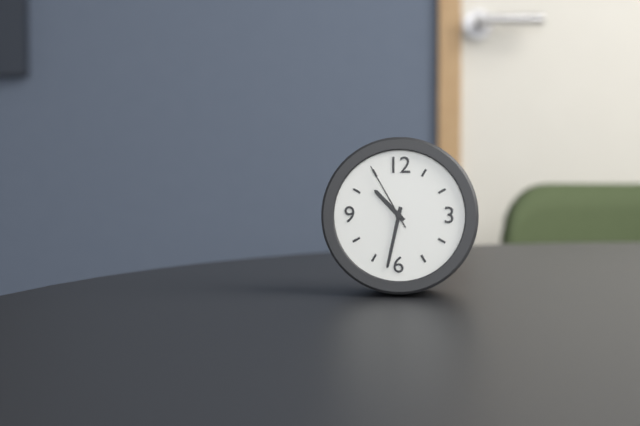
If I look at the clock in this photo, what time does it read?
10:32:55
